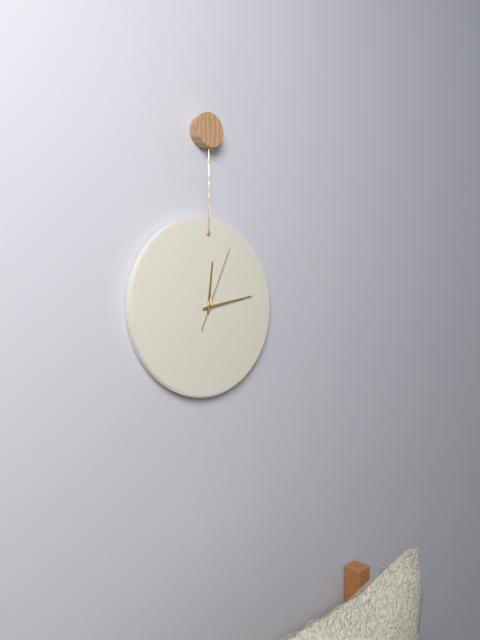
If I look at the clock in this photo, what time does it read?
12:13:04
